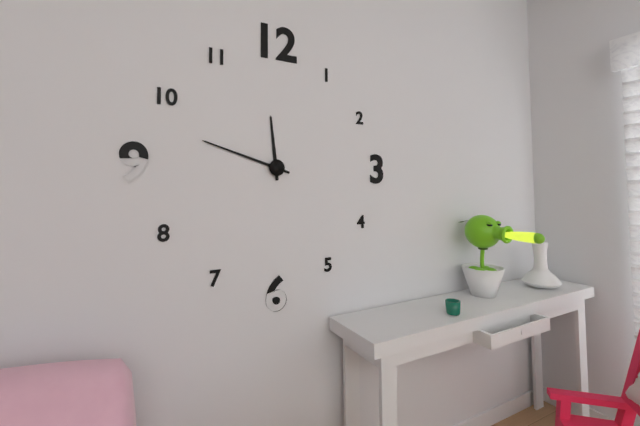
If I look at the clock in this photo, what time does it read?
11:48
